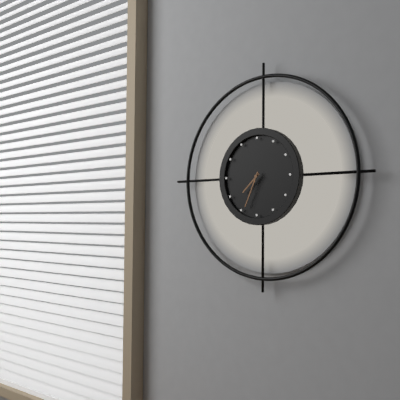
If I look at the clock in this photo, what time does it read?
7:34
